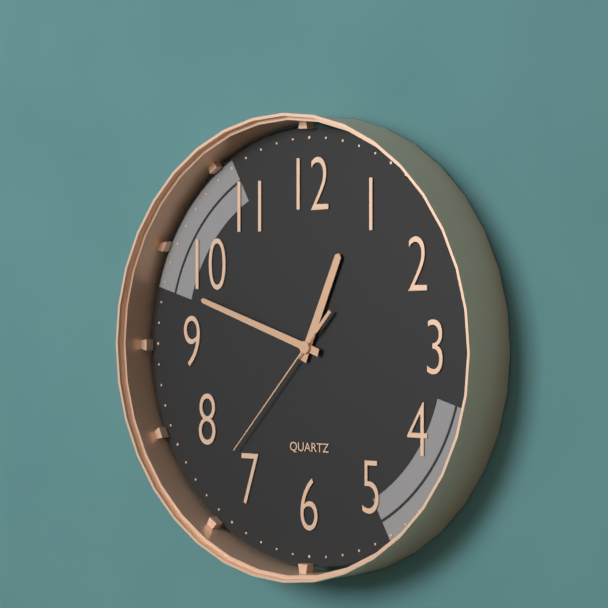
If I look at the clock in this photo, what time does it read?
12:48:37
